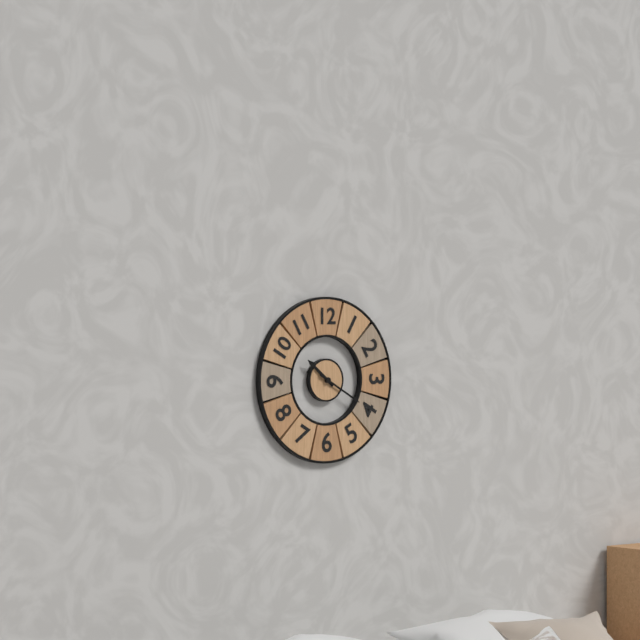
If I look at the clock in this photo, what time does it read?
10:20
